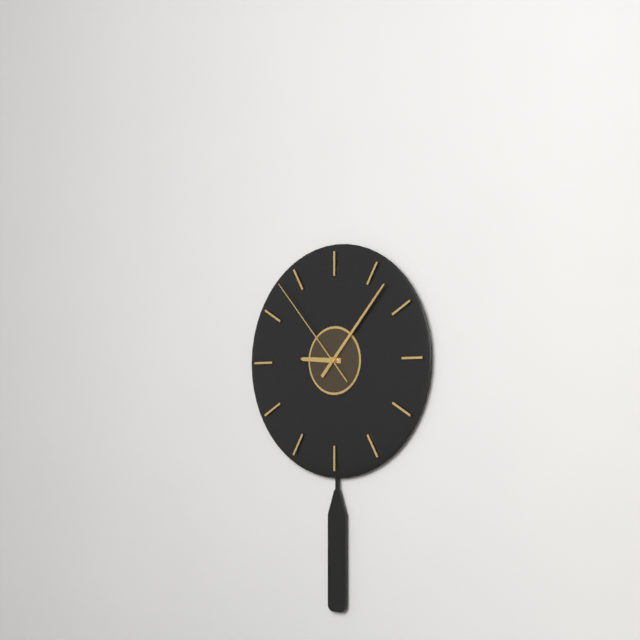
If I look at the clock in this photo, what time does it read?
9:07:53
